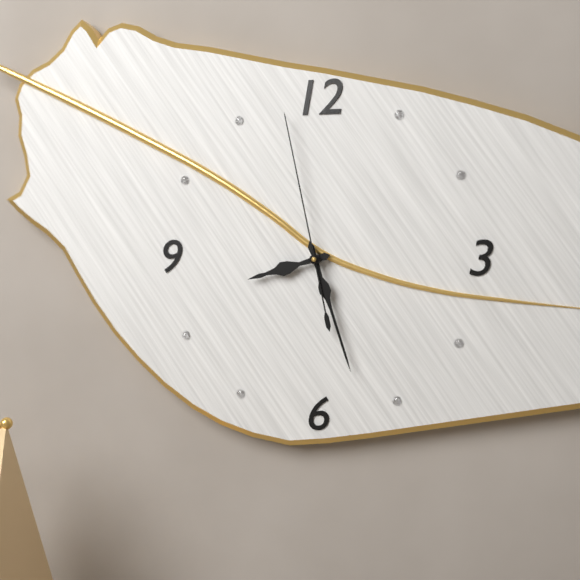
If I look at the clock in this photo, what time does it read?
8:27:58
